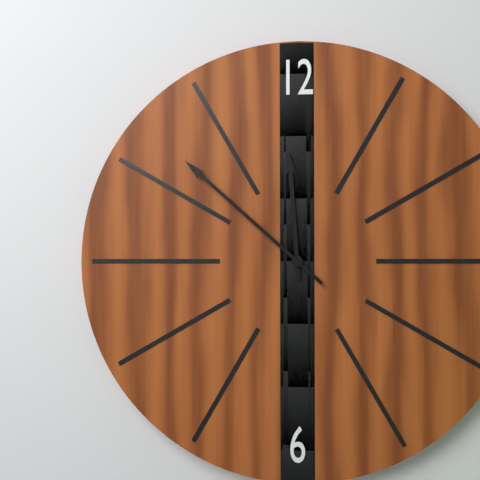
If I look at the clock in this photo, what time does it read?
11:52
